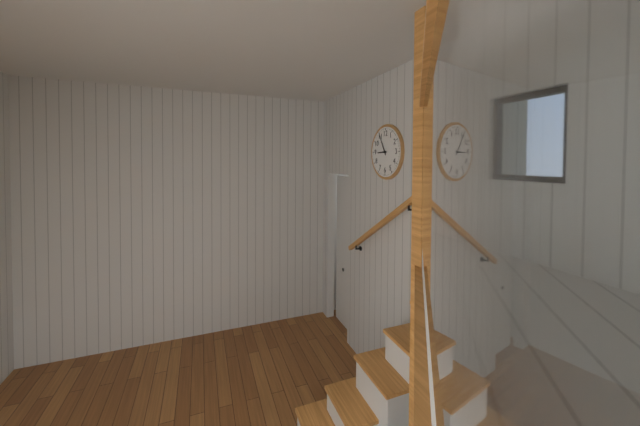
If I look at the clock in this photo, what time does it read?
8:55
